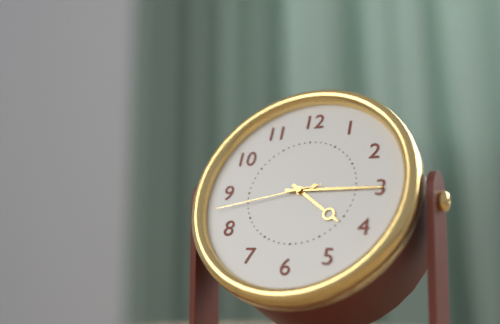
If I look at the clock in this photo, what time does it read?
4:15:43
